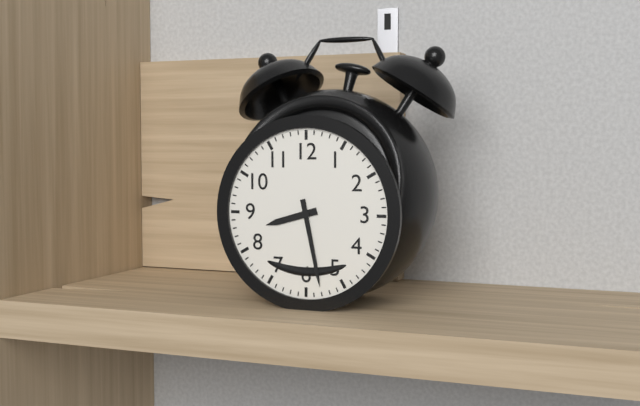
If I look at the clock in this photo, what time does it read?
8:28
